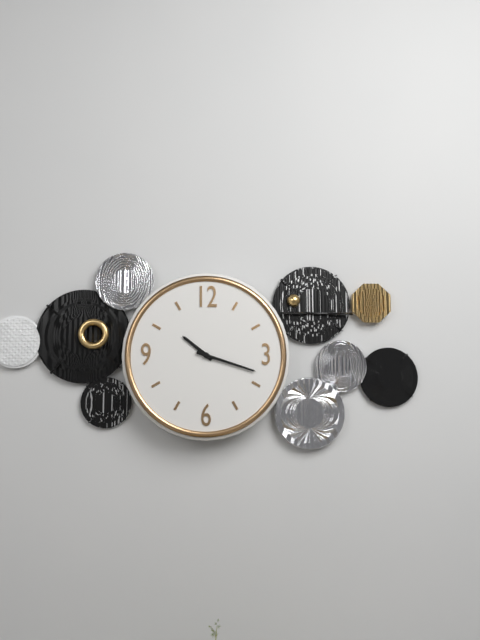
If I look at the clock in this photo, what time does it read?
10:18
